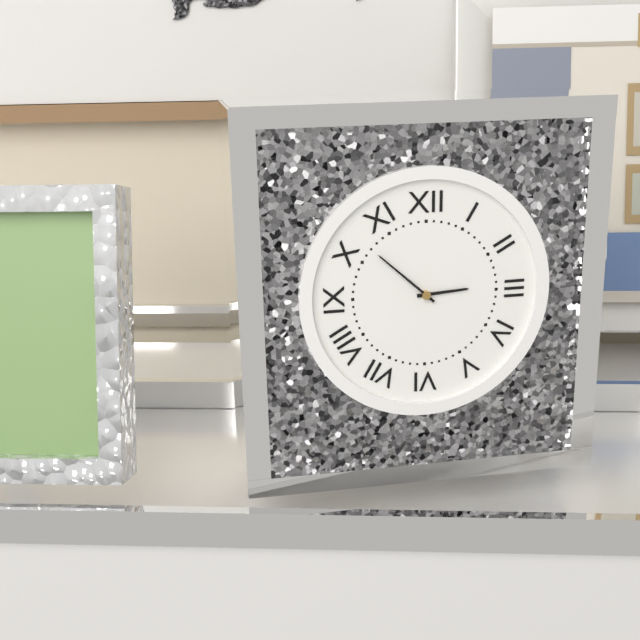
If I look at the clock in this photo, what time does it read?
2:52
